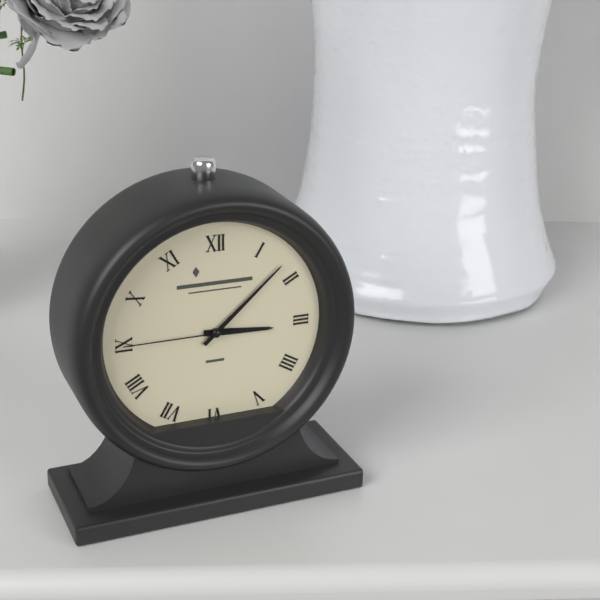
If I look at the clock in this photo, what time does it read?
3:08:45
